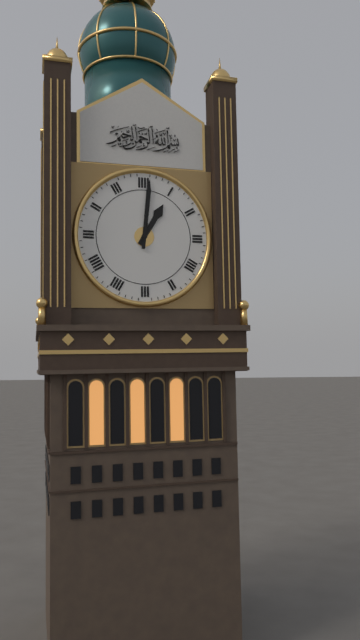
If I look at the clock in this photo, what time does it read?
1:01
